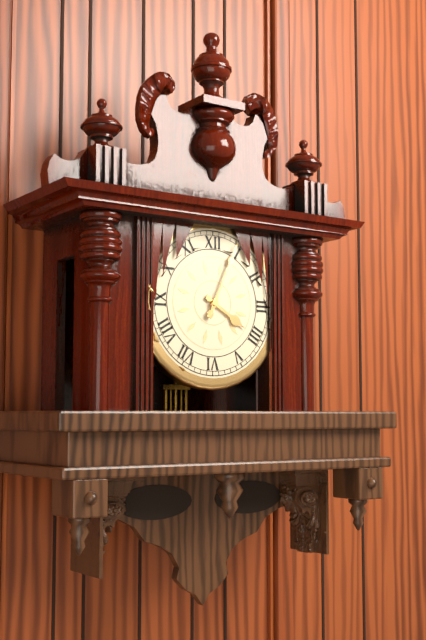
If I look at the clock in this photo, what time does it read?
4:04
